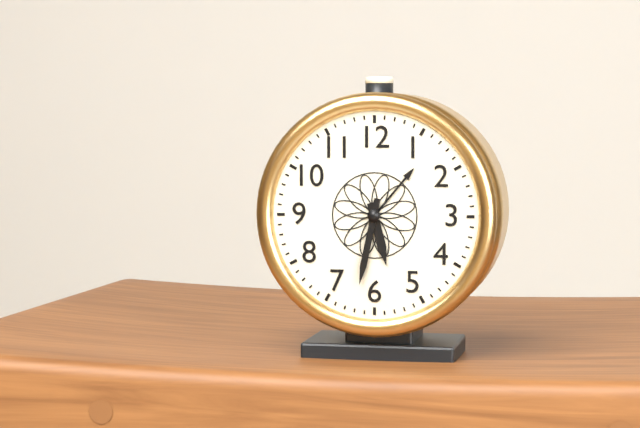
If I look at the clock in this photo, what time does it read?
5:32
